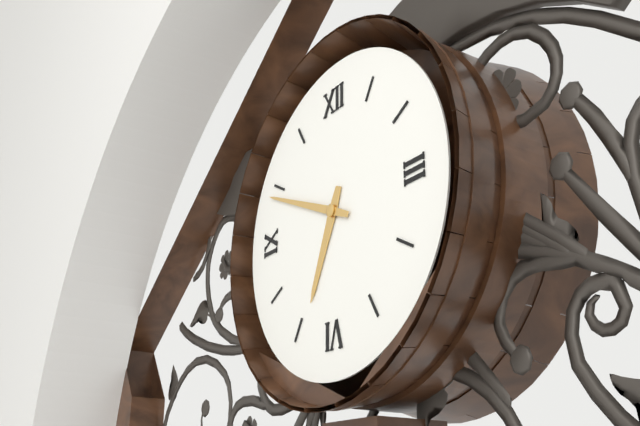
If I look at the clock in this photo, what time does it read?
6:49
